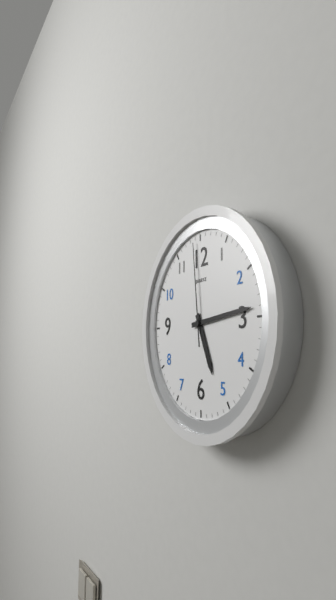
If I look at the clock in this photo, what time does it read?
5:14:59
